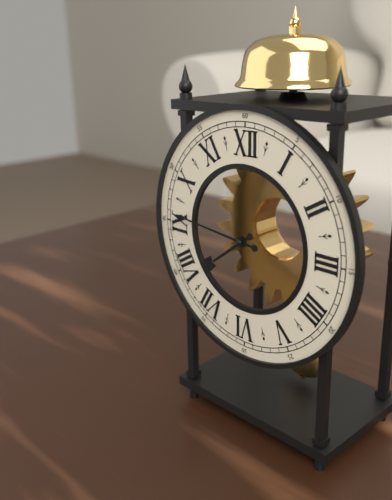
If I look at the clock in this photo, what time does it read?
7:46
